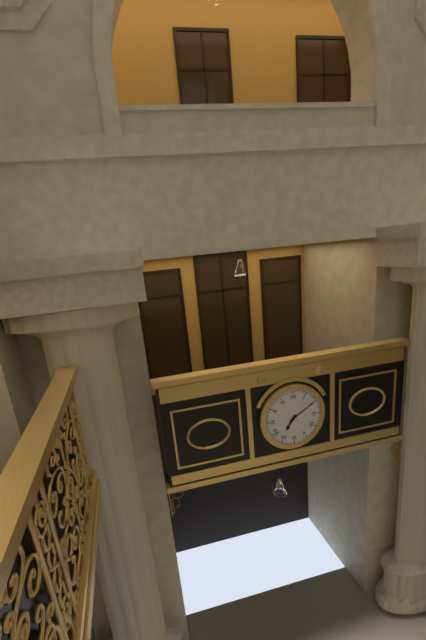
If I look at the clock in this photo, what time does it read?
7:10
